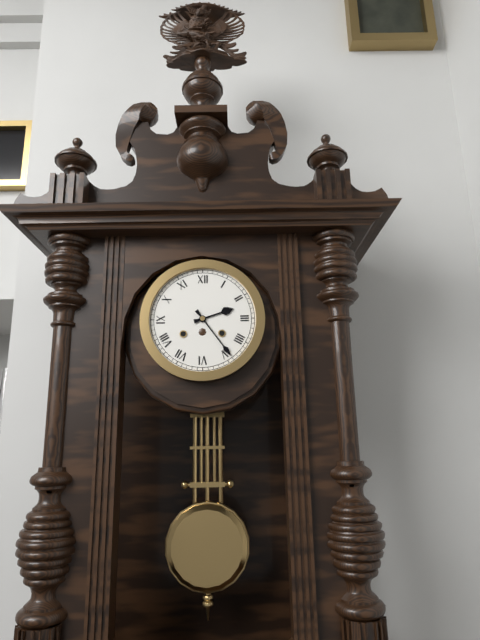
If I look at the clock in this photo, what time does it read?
2:24
